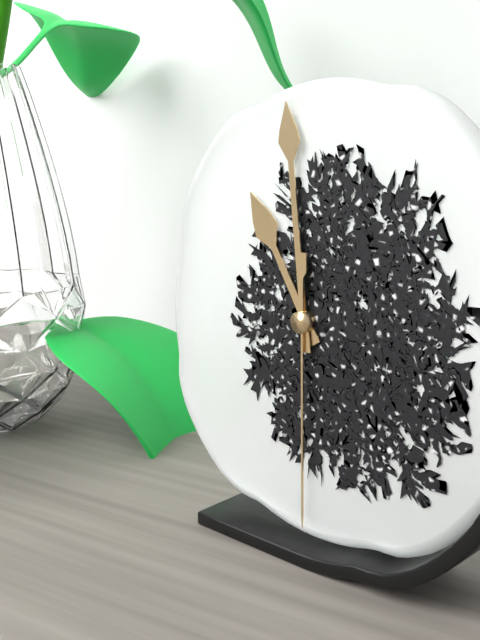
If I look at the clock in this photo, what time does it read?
10:59:30
